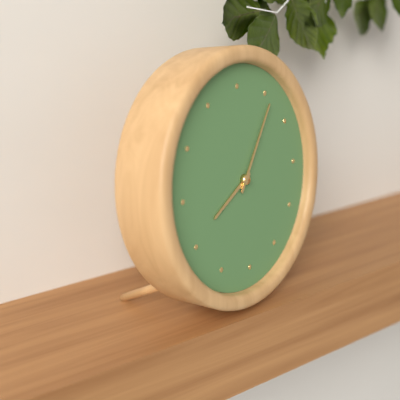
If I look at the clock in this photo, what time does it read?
8:06
